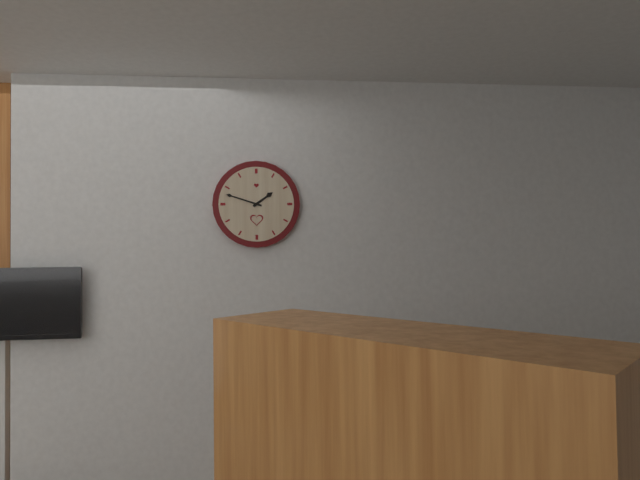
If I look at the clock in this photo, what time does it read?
1:48
